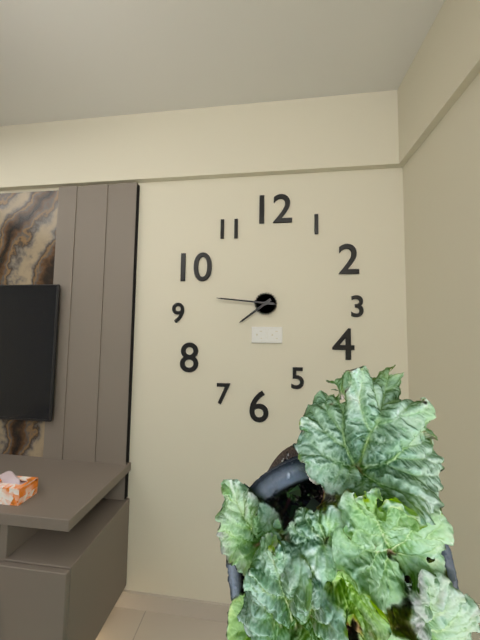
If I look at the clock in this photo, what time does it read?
7:46
